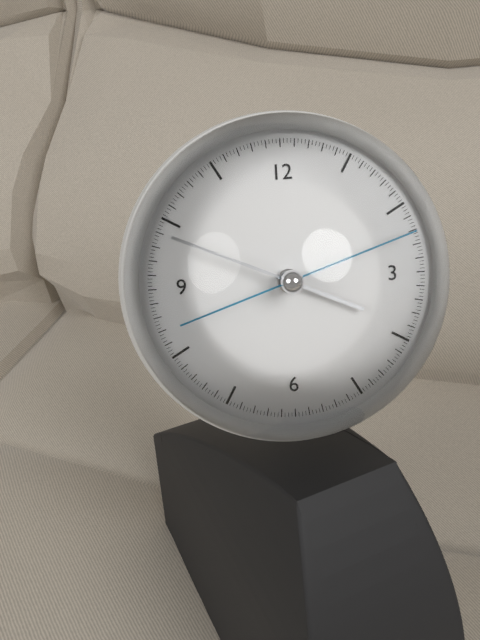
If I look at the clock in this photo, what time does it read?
3:49:12
